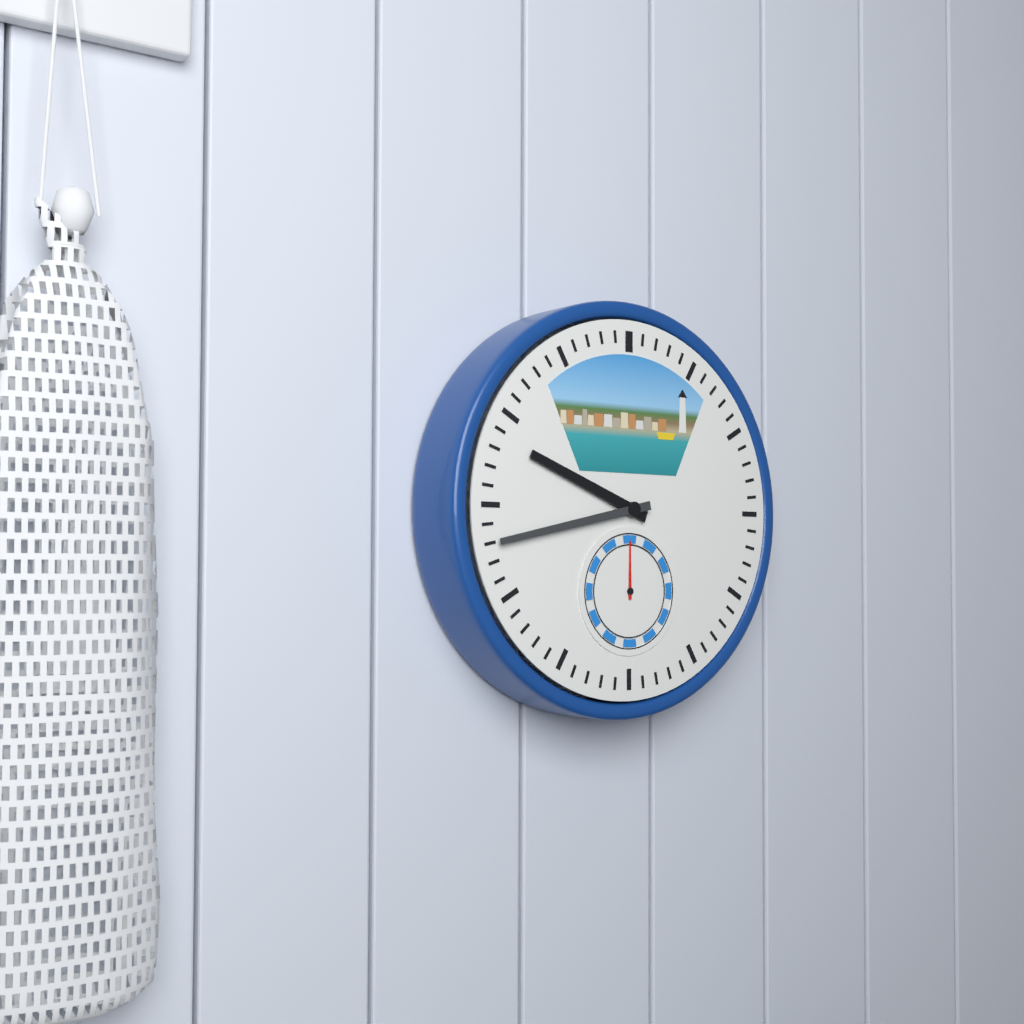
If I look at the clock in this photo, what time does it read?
9:43
